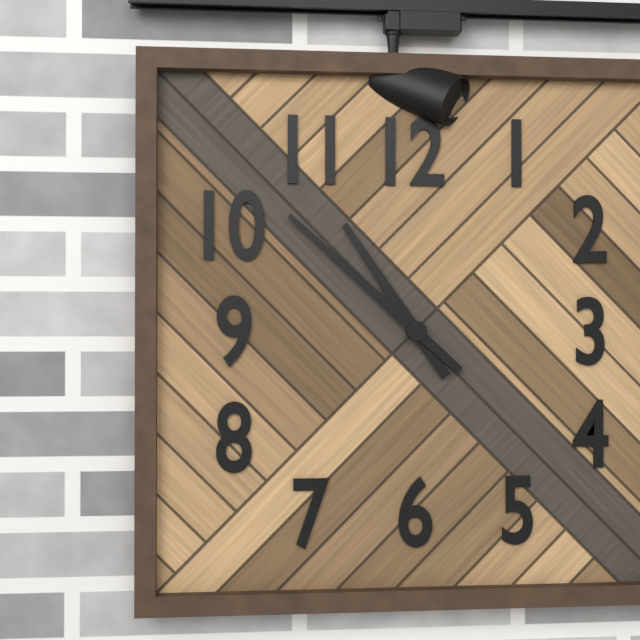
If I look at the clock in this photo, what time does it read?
10:52
